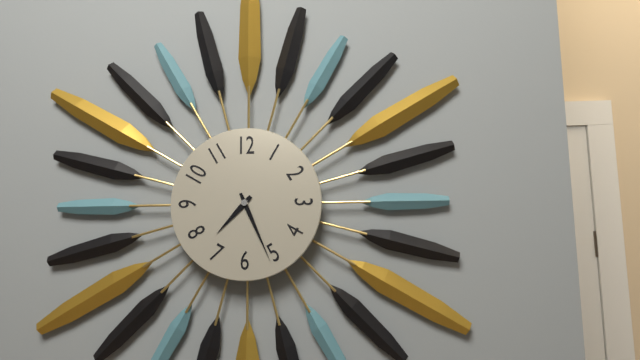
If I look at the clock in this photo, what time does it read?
7:26
